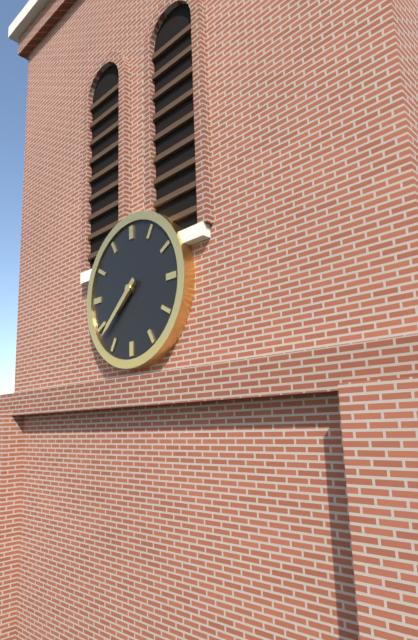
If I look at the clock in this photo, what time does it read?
7:38
